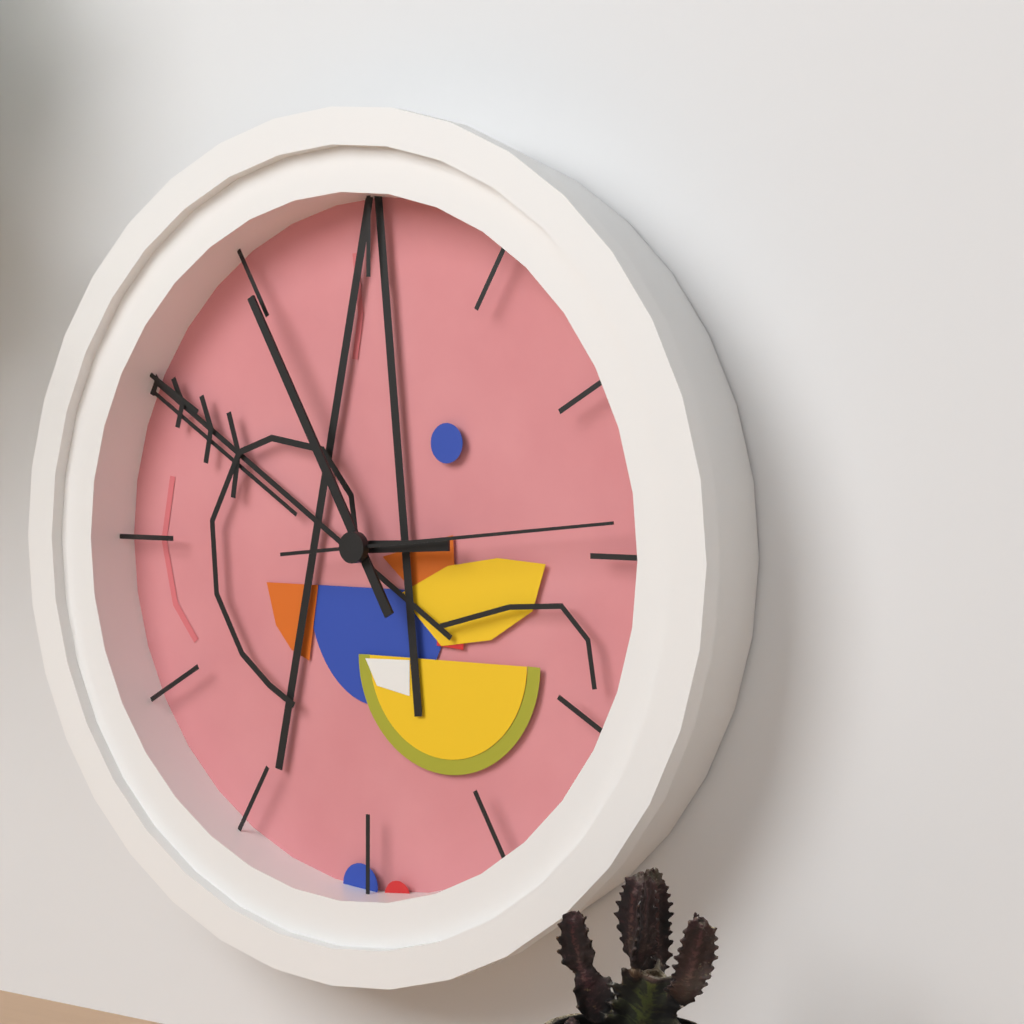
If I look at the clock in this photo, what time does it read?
2:55:14
